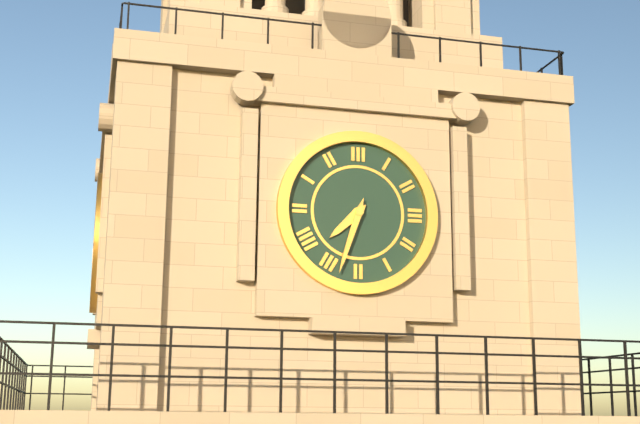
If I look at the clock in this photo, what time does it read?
7:33
